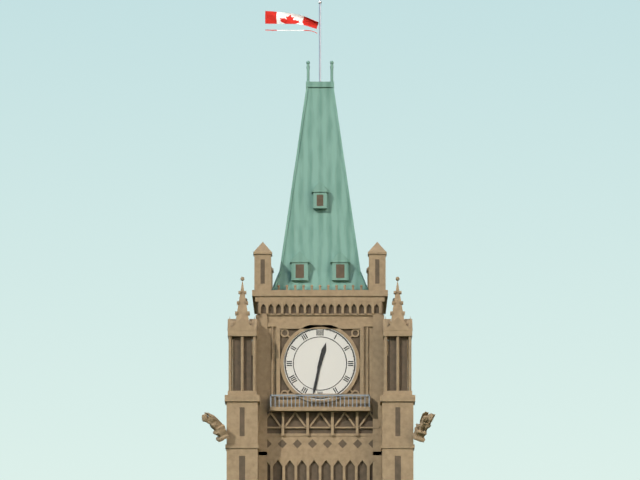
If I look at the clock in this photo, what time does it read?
12:32
